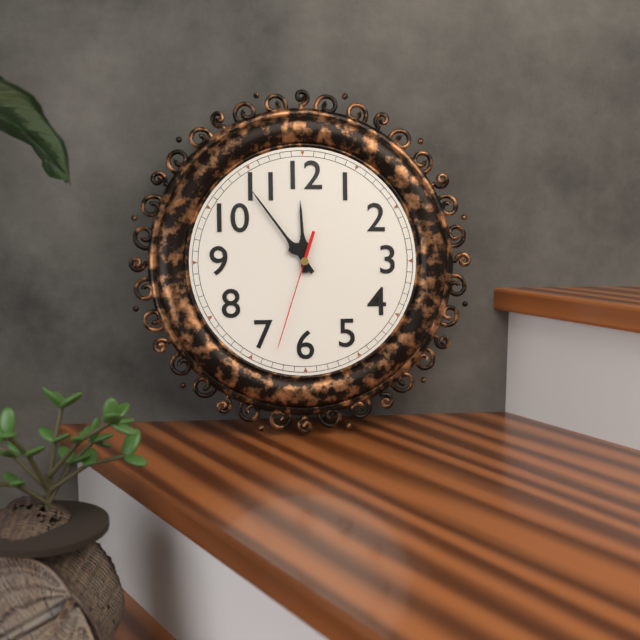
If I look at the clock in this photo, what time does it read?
11:54:33
